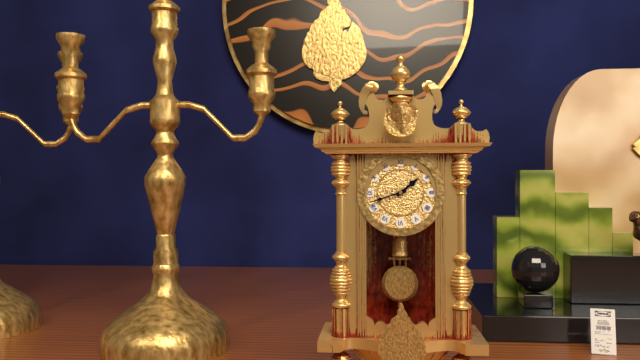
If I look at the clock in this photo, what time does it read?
1:42
